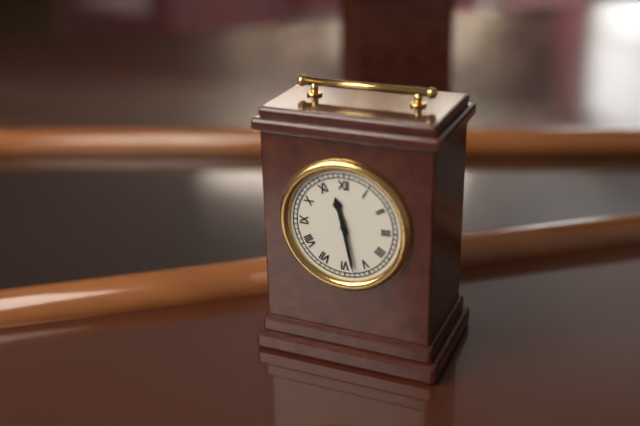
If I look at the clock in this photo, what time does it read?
11:28
